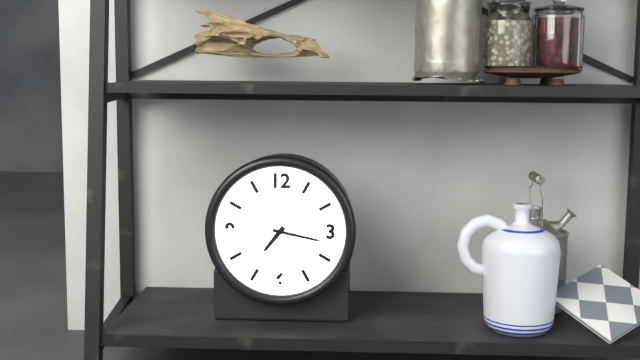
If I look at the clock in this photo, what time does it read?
7:17
